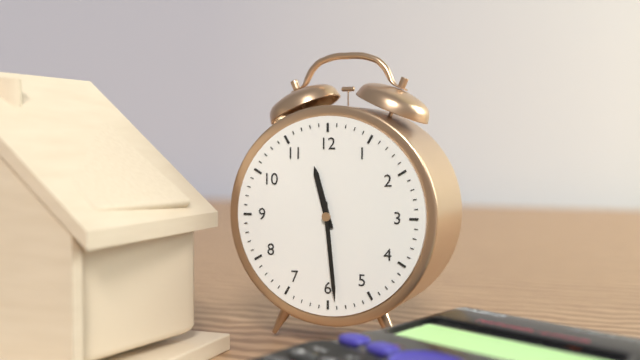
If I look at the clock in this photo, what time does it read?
11:29
